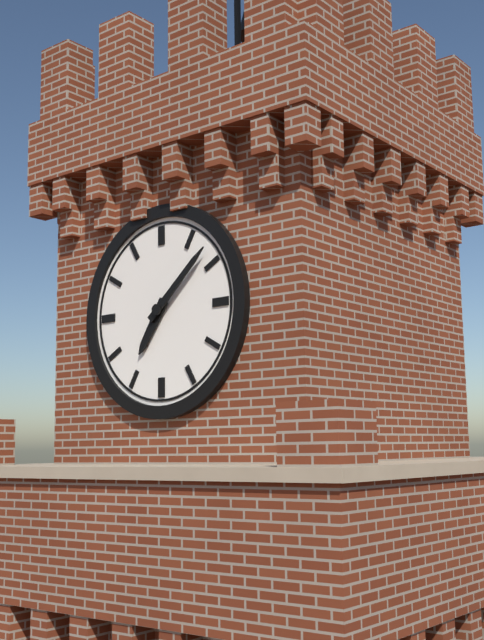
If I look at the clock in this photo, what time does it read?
7:08
